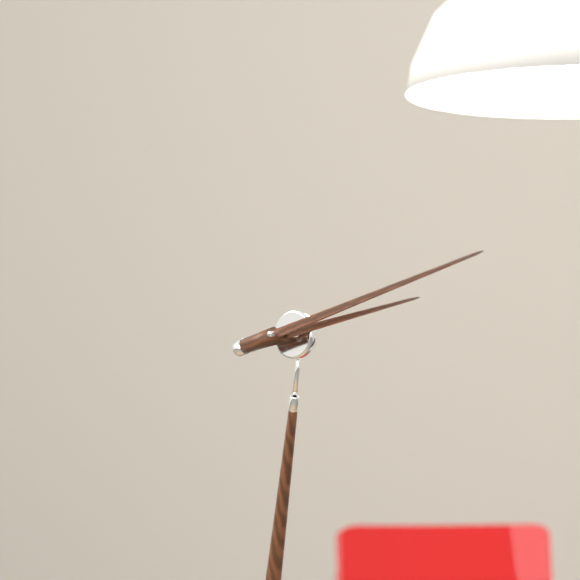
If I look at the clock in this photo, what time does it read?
2:10
